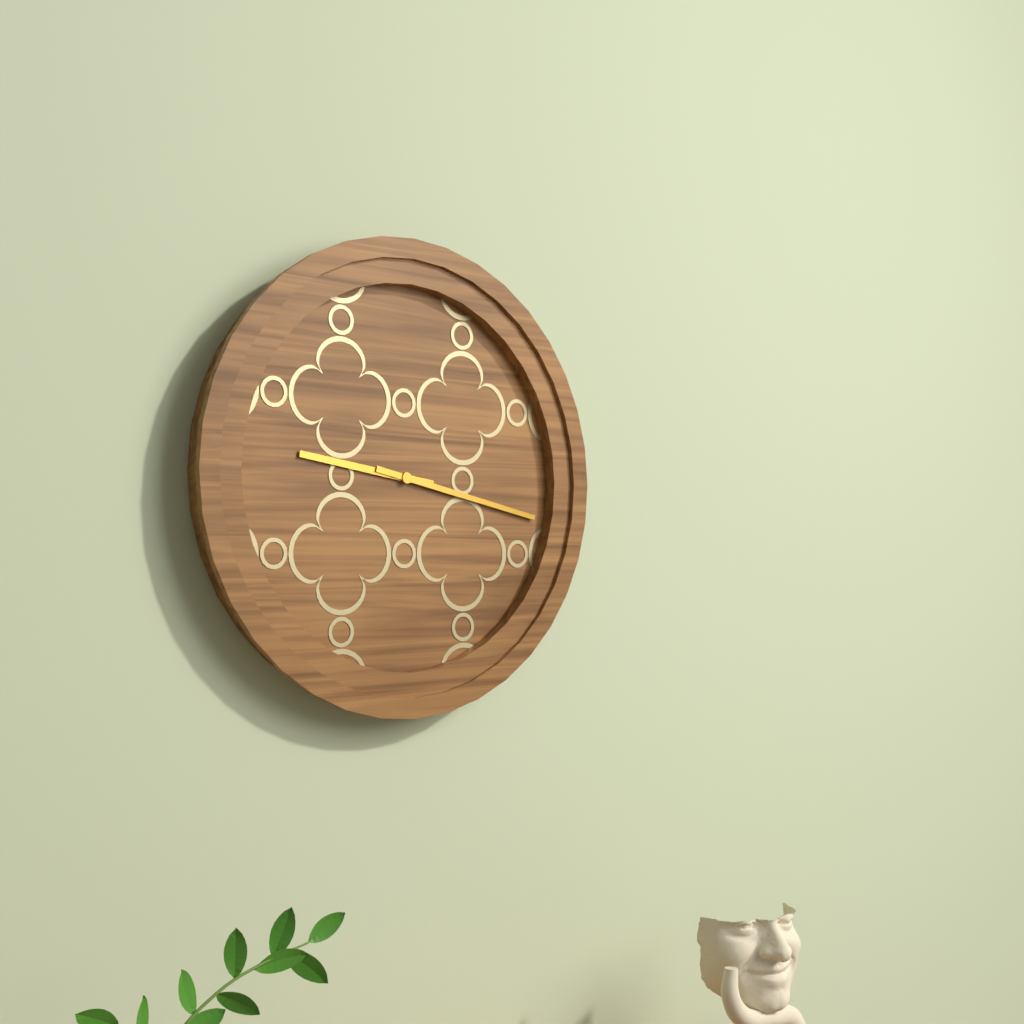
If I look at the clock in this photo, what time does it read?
9:17
